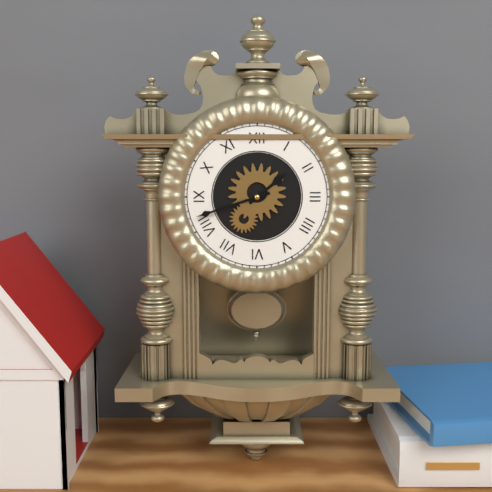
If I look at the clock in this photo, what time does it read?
1:42
